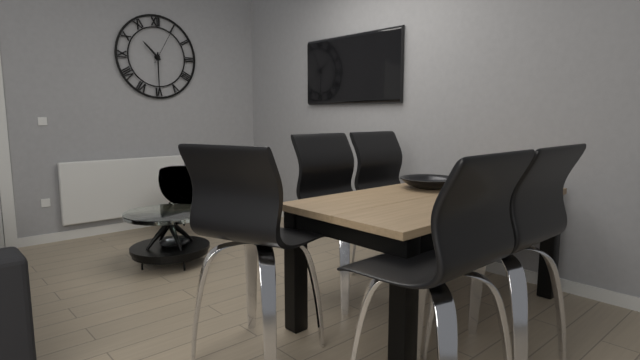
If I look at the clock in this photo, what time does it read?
10:30
